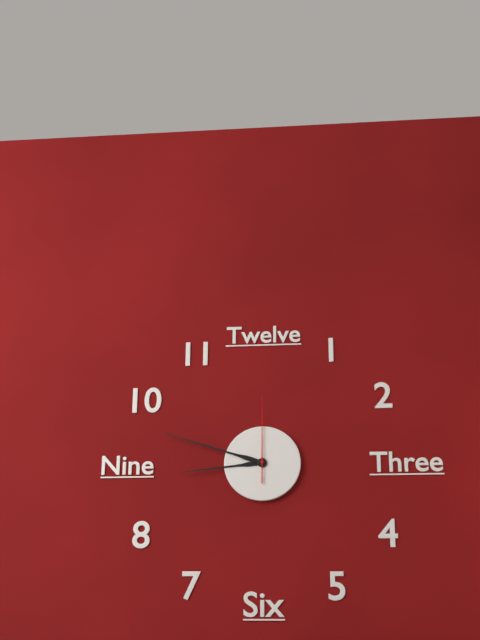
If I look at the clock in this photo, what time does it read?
8:48:00
